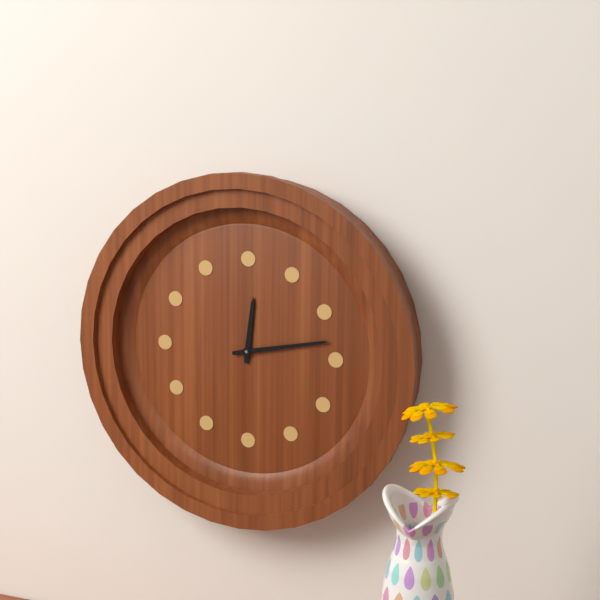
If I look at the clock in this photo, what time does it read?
12:13
